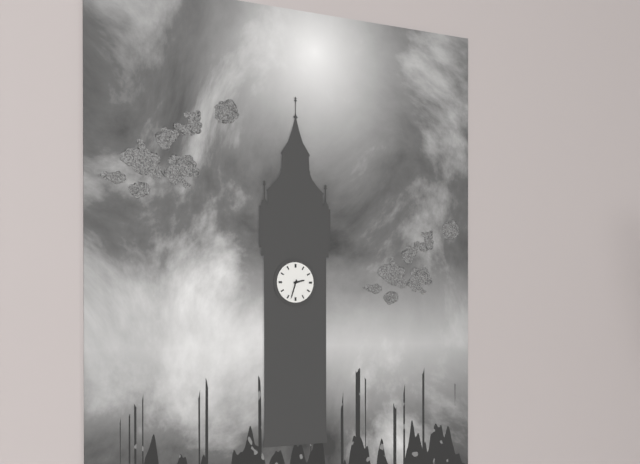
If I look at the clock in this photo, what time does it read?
2:33
